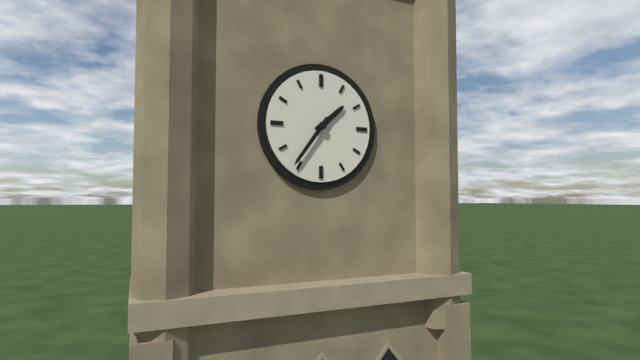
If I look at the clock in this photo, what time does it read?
1:36
